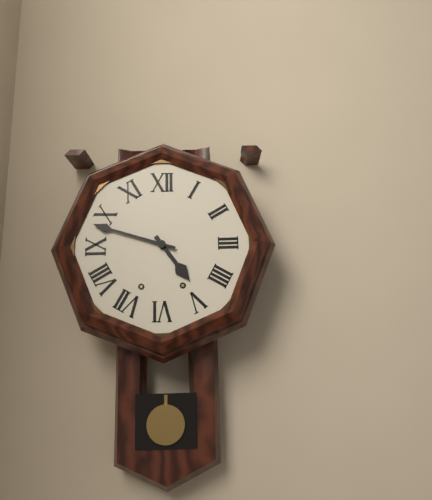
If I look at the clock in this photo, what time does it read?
4:48
